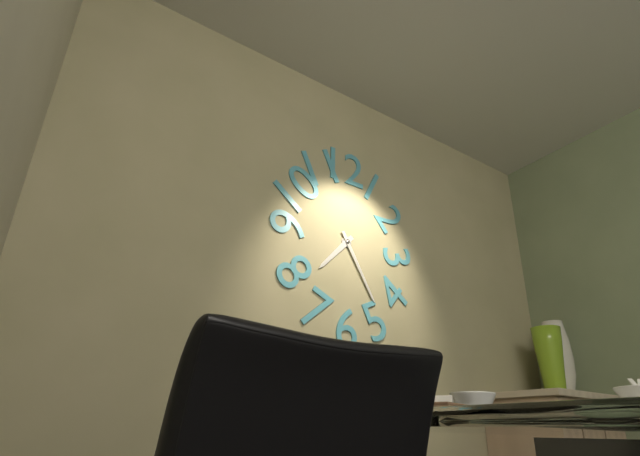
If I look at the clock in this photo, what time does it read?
7:25
